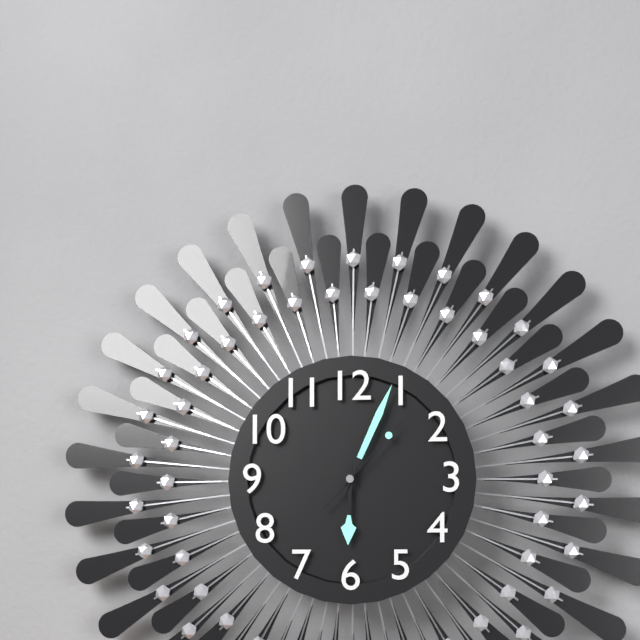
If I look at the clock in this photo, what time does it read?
6:04:07
